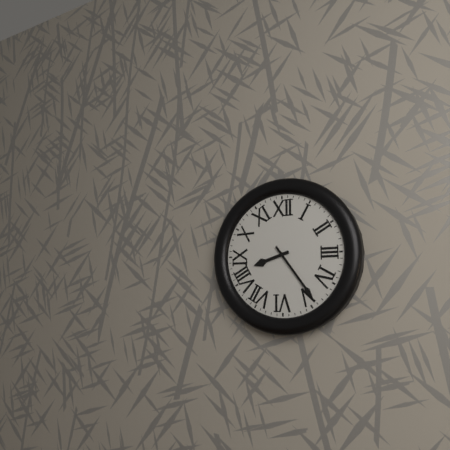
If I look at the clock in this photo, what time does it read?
8:24
